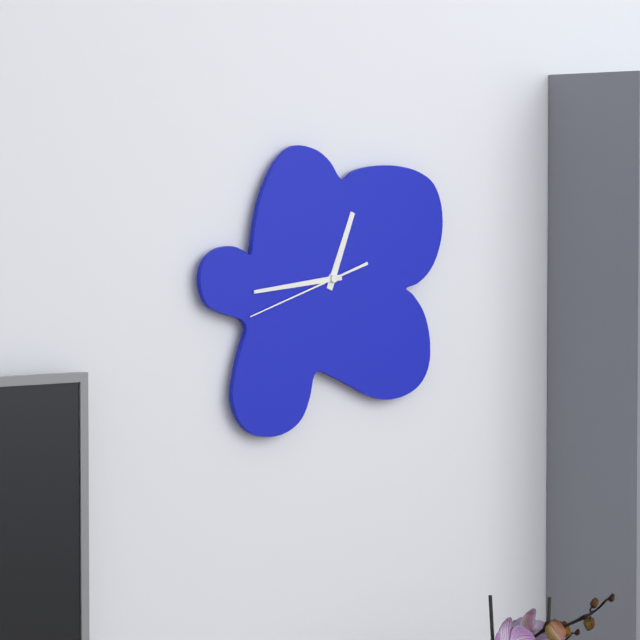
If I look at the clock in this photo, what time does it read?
12:44:42
